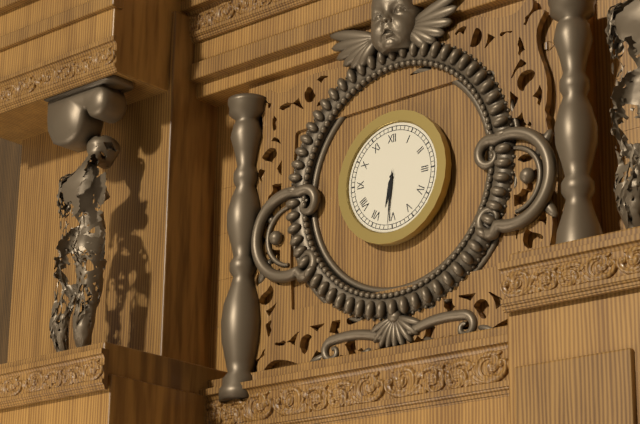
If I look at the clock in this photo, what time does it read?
6:31
